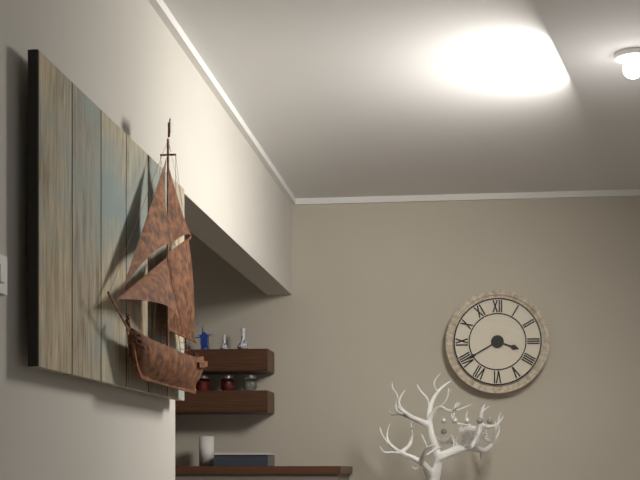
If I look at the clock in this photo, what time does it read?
3:40
